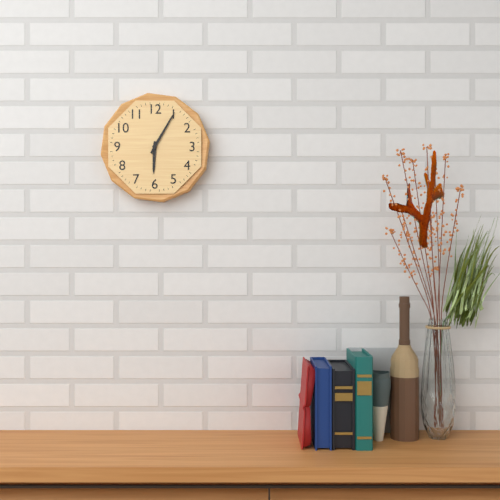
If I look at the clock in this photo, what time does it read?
6:05
